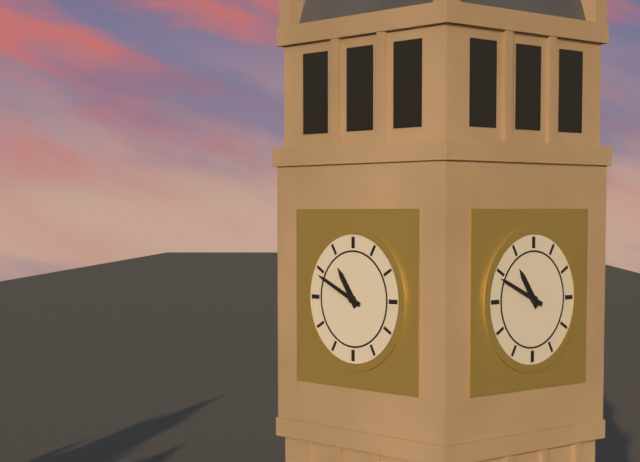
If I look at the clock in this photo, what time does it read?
10:49
